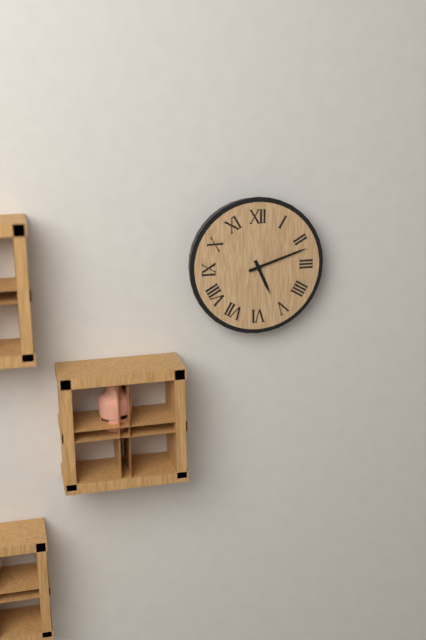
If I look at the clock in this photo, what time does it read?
5:12
